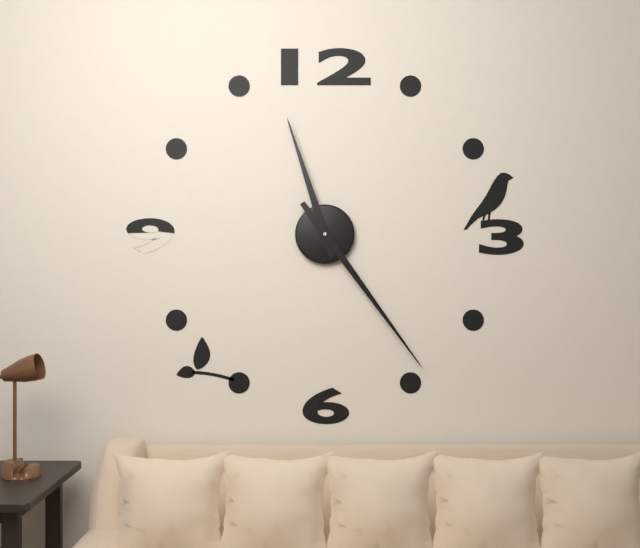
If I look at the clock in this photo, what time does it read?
11:24
